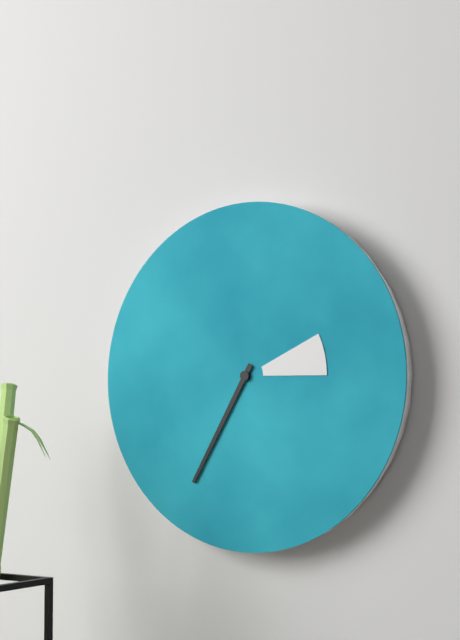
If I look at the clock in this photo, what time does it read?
2:35
